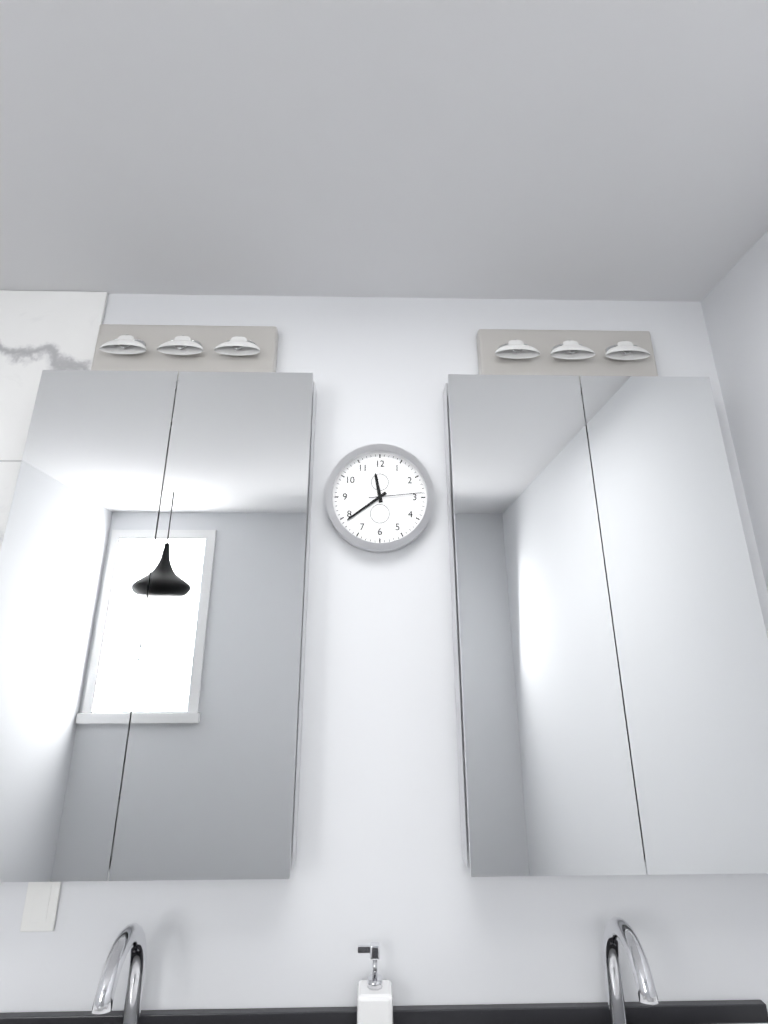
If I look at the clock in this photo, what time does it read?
11:39:14
